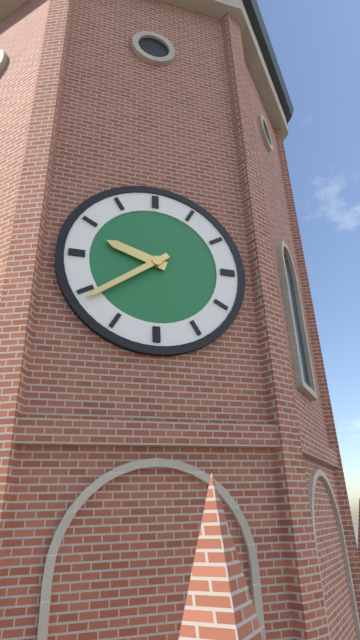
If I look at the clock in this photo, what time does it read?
9:39
